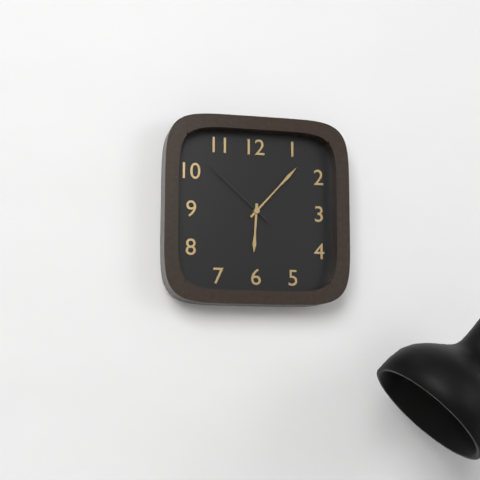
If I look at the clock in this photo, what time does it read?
6:07:52
